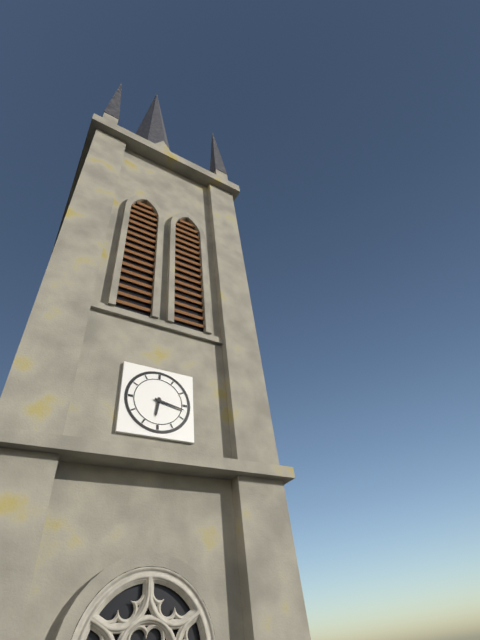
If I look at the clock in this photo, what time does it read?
6:17
